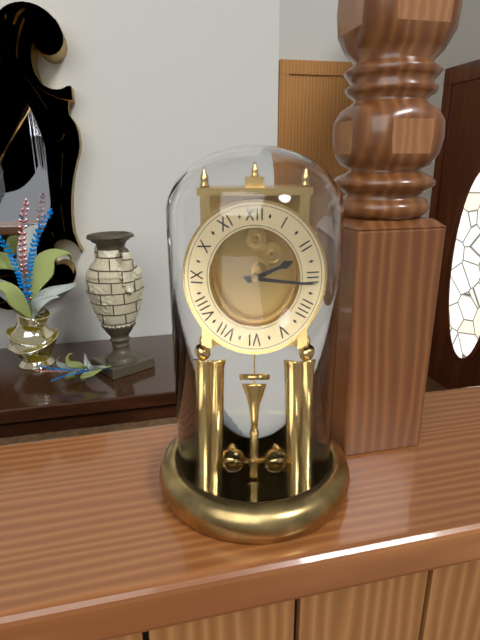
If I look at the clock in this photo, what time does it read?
2:16
